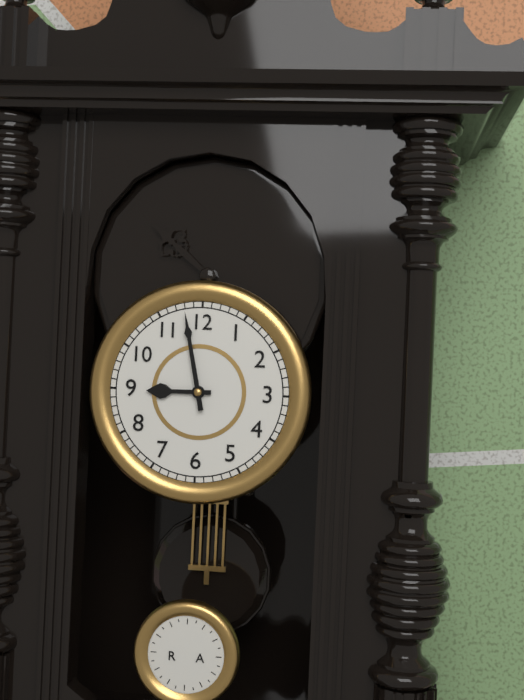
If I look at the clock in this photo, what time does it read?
8:58
